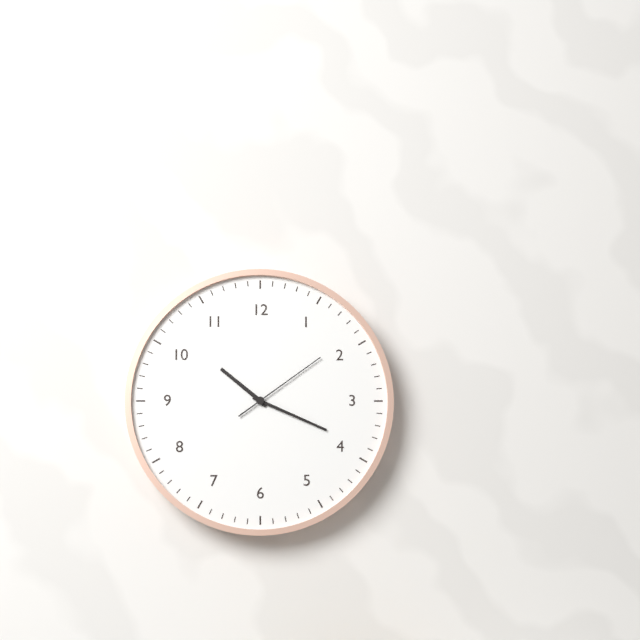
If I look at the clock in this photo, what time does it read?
10:19:09
